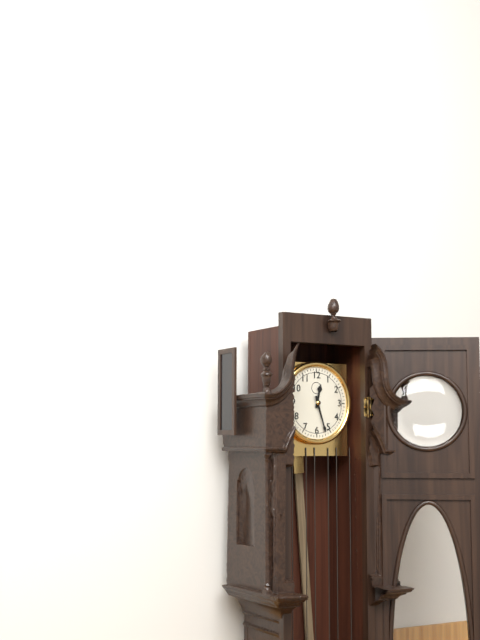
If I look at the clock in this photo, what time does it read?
12:27
